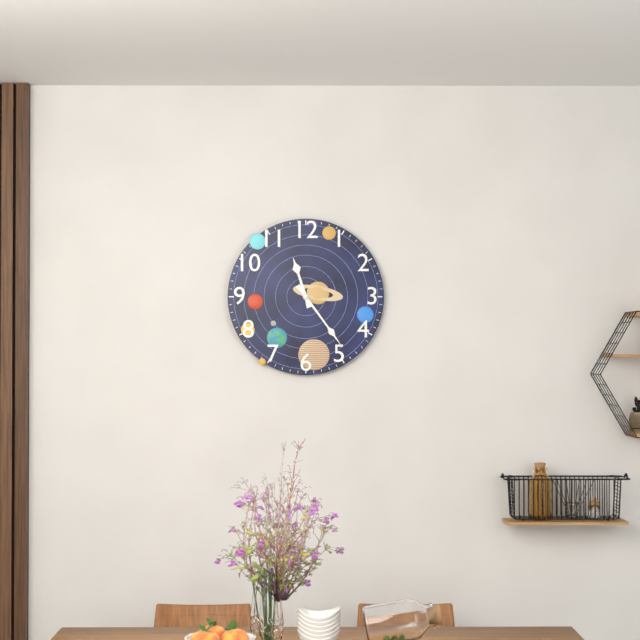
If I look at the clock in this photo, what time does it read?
11:24
